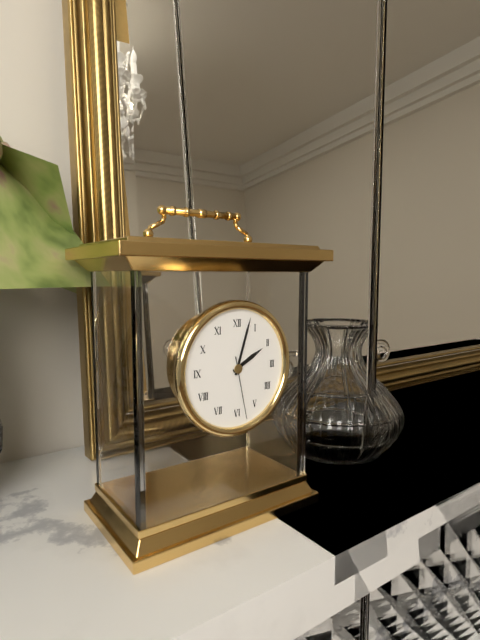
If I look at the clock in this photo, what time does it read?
2:03:28
